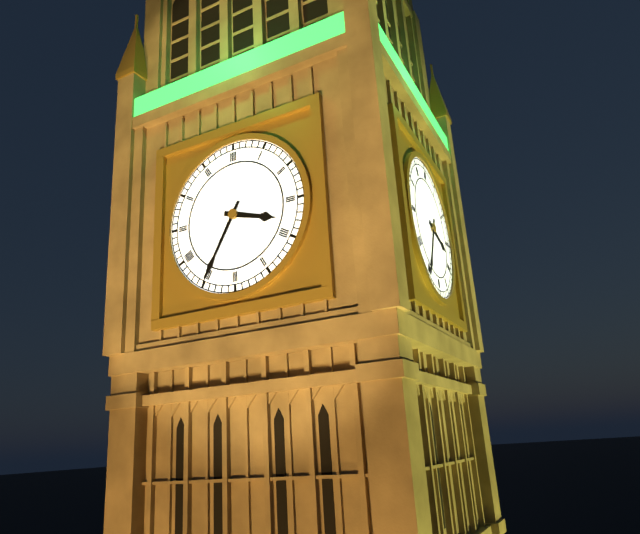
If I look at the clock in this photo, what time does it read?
3:35
